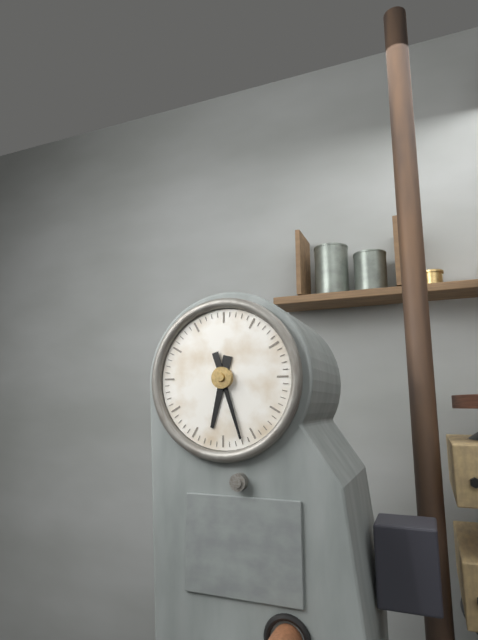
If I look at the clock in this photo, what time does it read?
6:27
